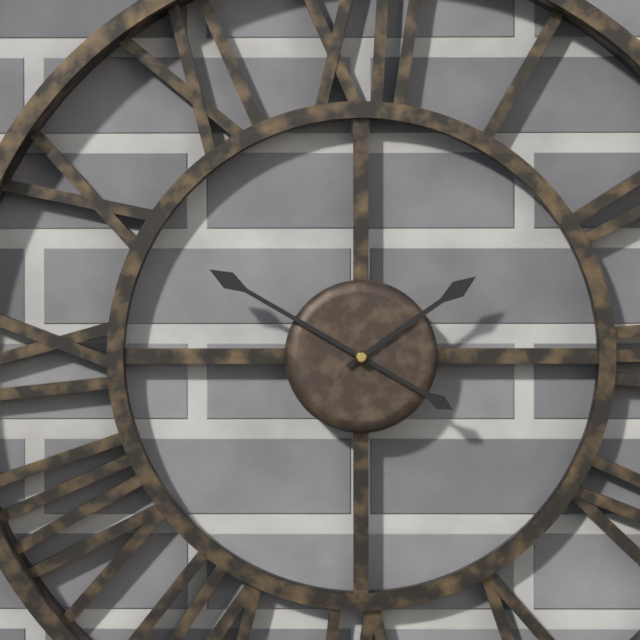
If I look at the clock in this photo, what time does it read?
1:50
